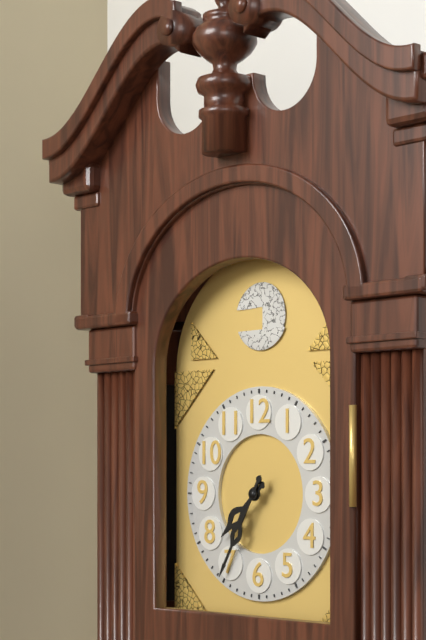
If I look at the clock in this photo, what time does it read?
7:35
